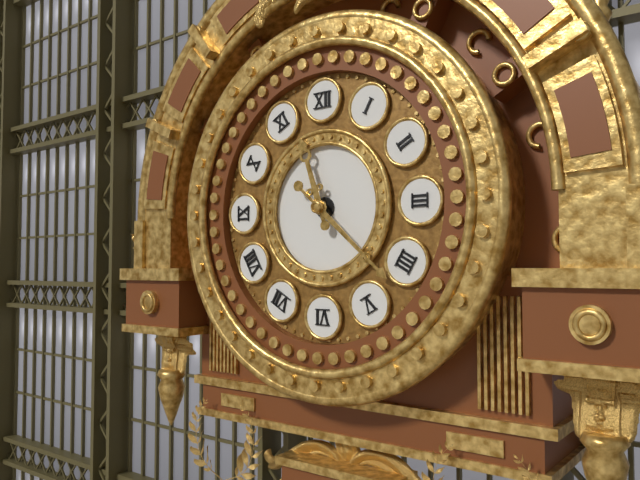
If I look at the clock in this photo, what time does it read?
11:22
